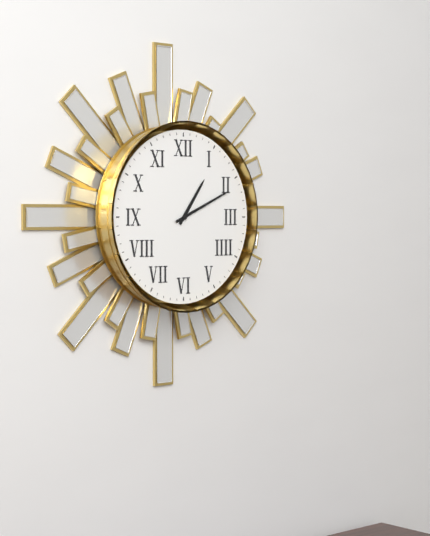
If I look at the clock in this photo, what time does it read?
1:11
